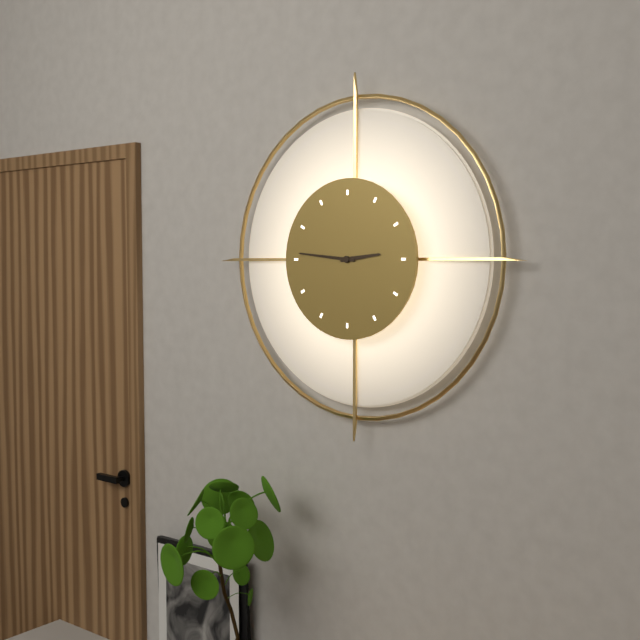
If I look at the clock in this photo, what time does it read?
2:46
